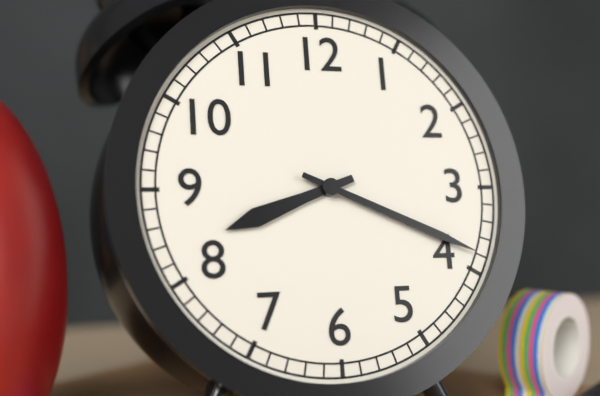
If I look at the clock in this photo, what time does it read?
8:19
